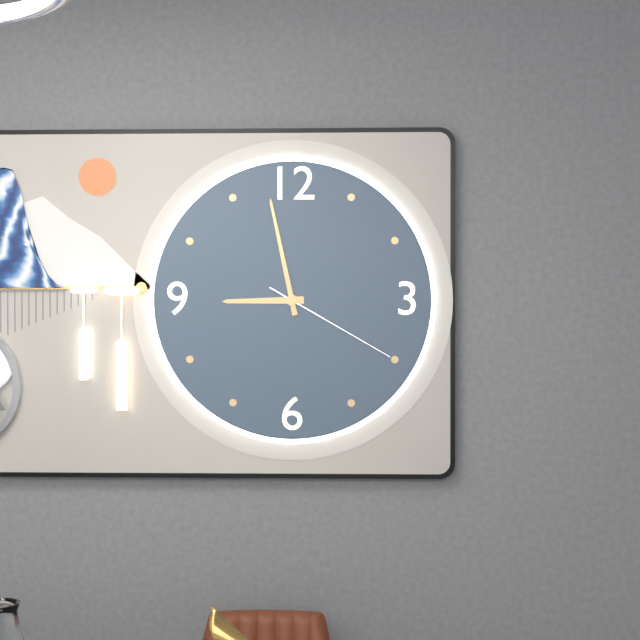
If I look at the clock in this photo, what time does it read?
8:58:20
